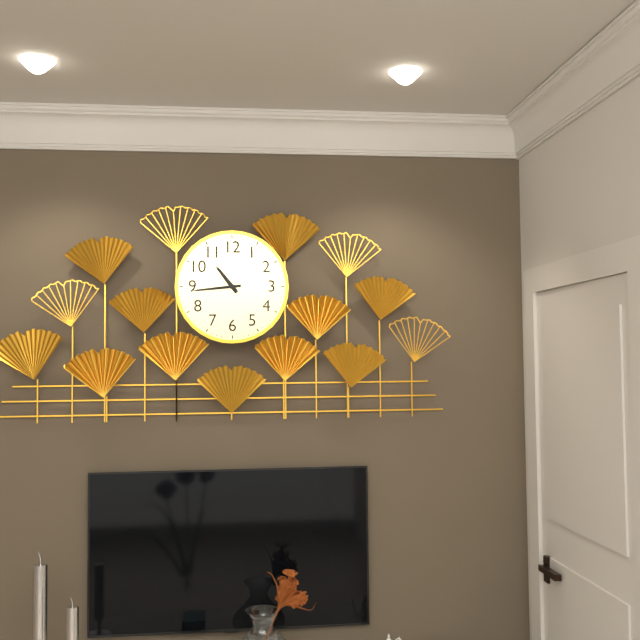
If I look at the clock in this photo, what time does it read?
10:44
